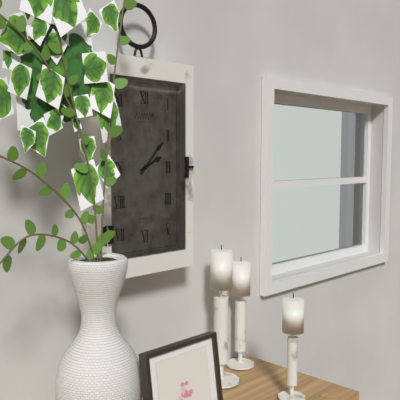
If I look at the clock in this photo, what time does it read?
2:07
